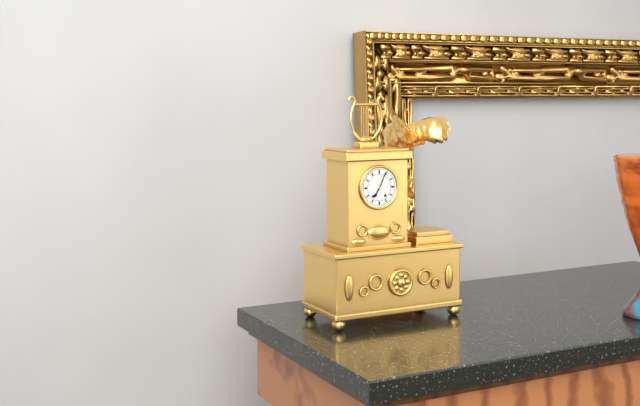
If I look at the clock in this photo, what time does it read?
7:04
